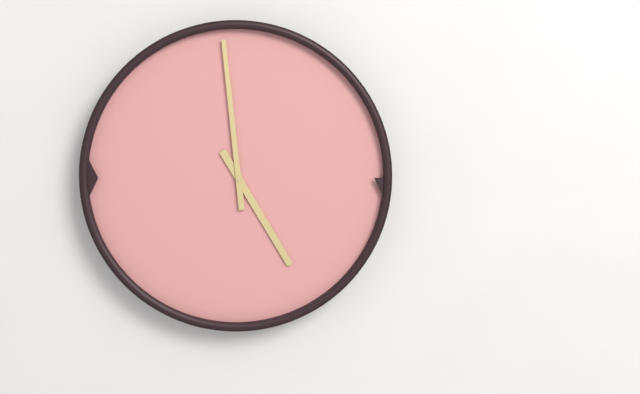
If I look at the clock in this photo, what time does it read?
4:59
